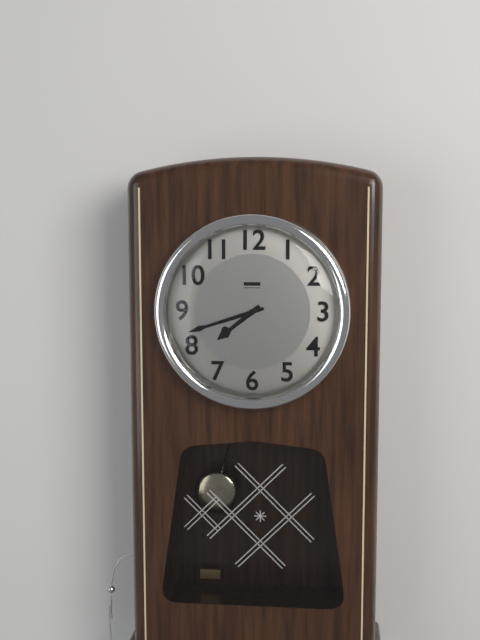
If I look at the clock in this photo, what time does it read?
7:42
